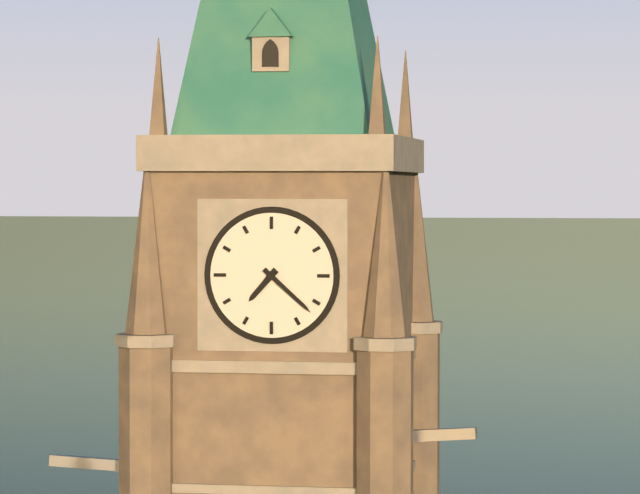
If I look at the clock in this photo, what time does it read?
7:22
